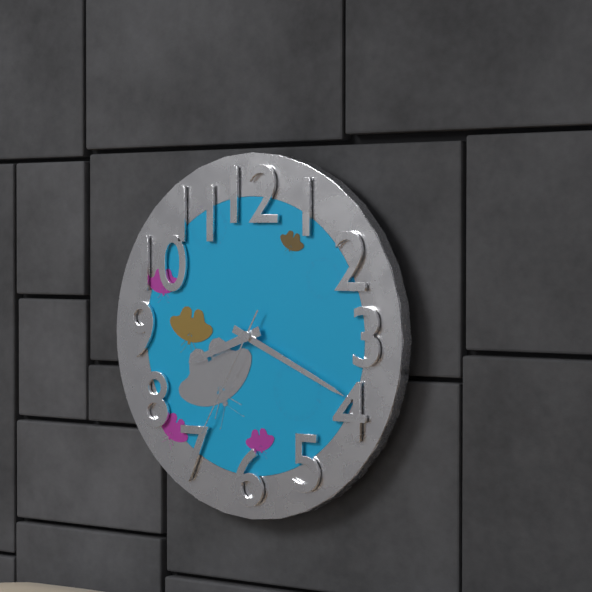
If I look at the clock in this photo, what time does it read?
8:19:35
